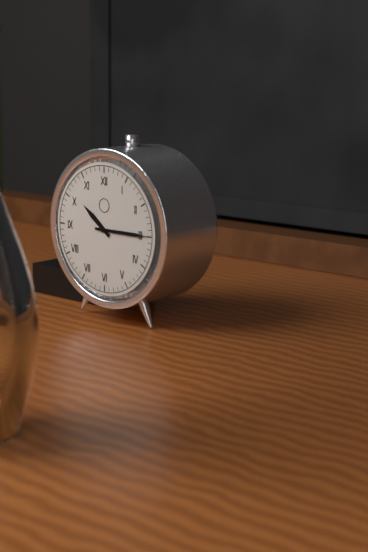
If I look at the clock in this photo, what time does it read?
10:15
